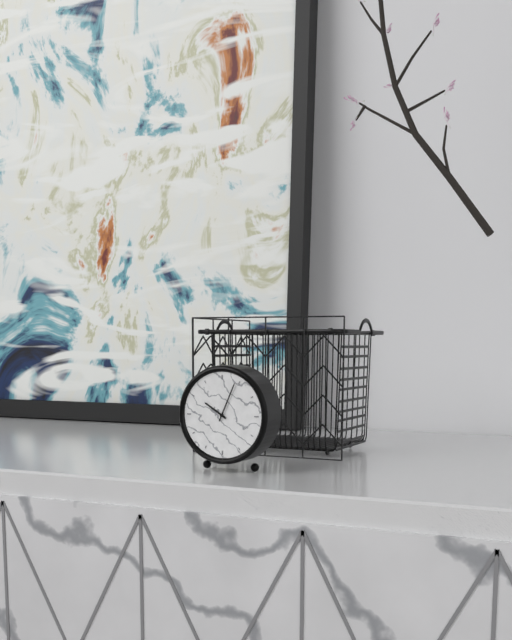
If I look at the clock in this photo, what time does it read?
10:04
